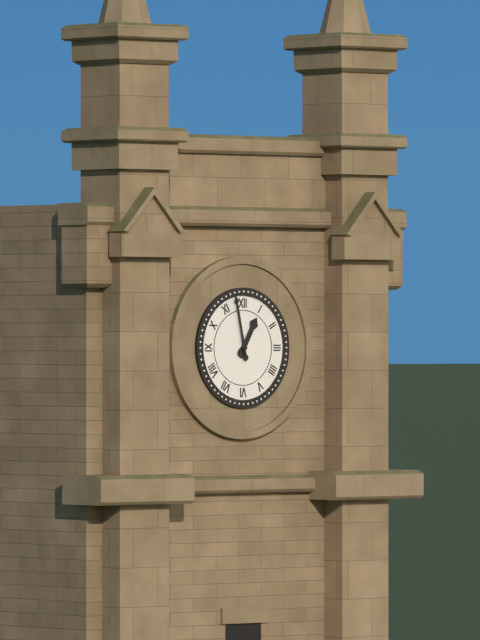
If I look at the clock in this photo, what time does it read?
12:58
